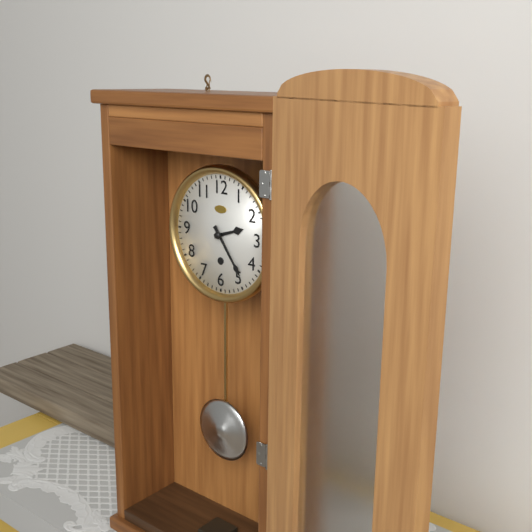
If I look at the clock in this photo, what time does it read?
2:24
